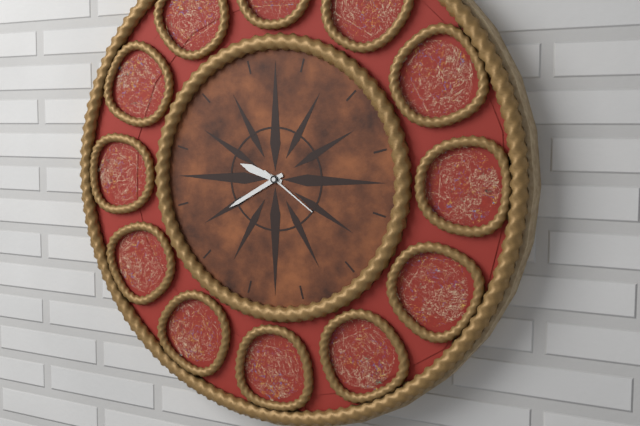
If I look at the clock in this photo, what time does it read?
9:40:21
